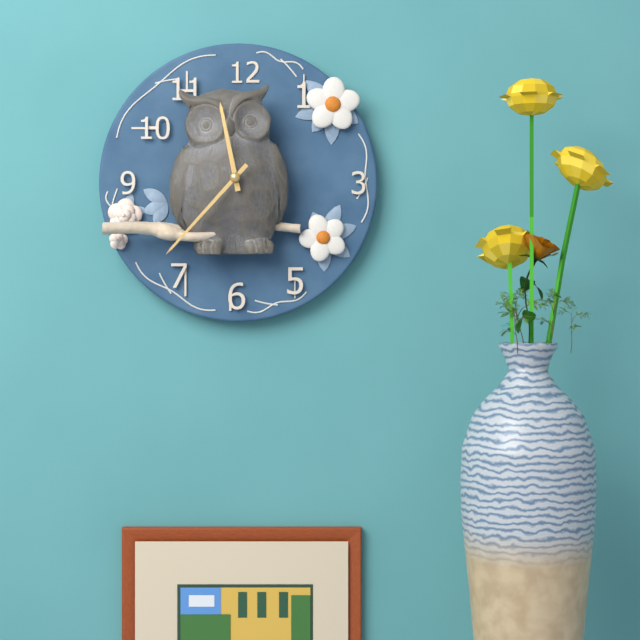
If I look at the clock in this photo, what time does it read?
11:37
